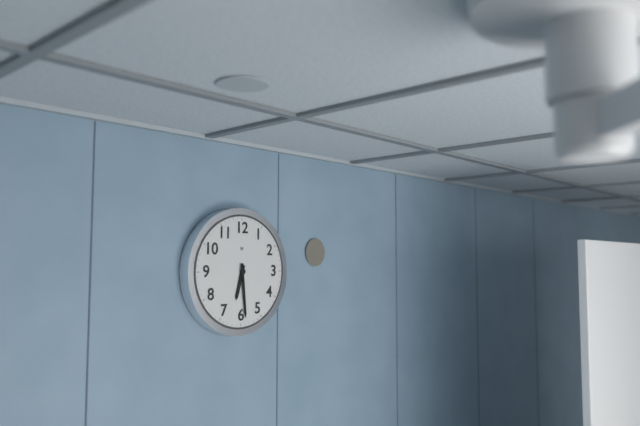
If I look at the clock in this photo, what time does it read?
6:29
